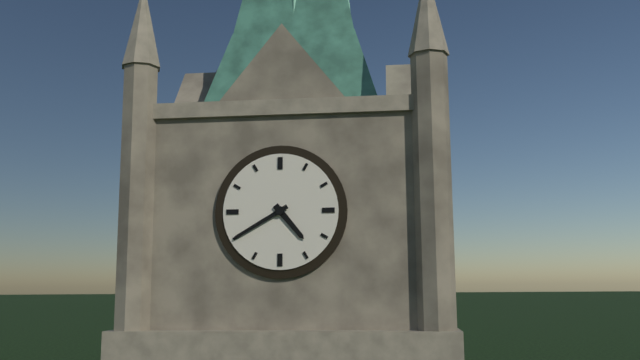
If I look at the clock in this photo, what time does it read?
4:40
